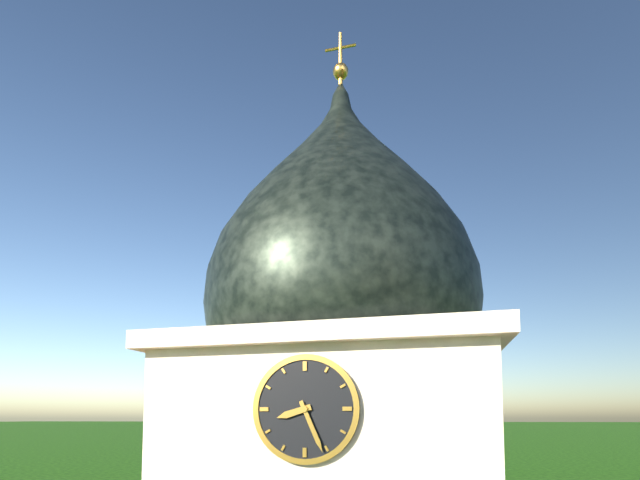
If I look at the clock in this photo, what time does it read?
8:26
